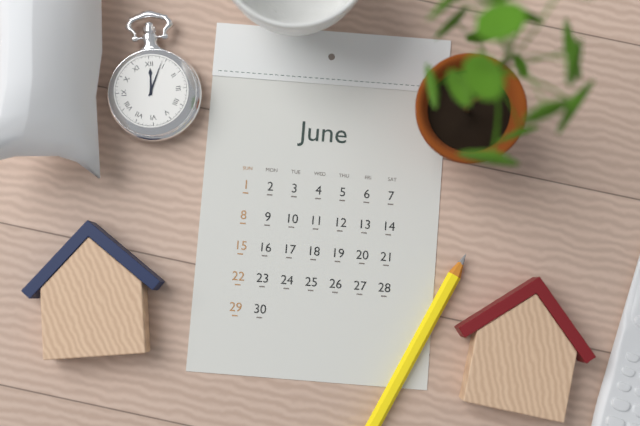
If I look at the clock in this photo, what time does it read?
12:04
